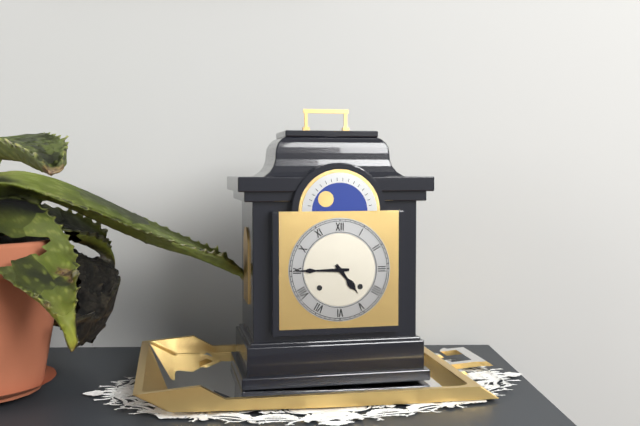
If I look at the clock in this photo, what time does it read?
4:45
